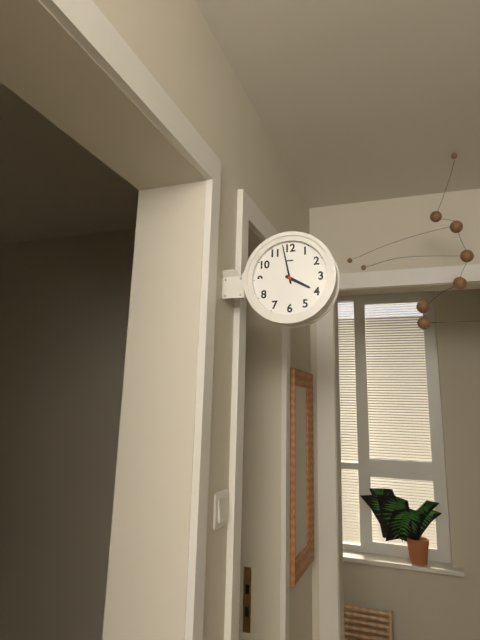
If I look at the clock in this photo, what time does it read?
3:58
